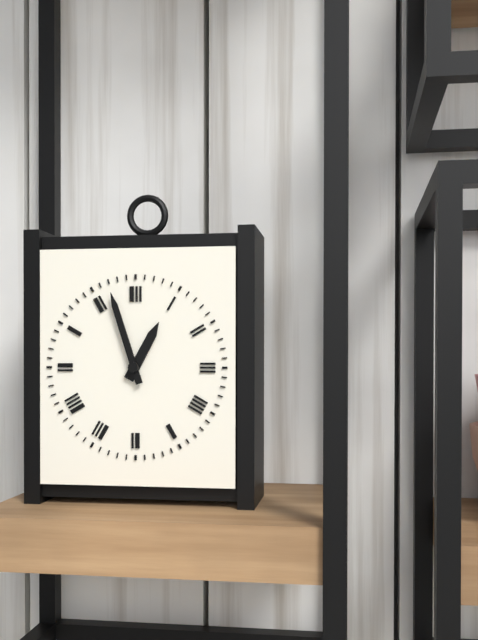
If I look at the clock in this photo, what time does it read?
12:57
